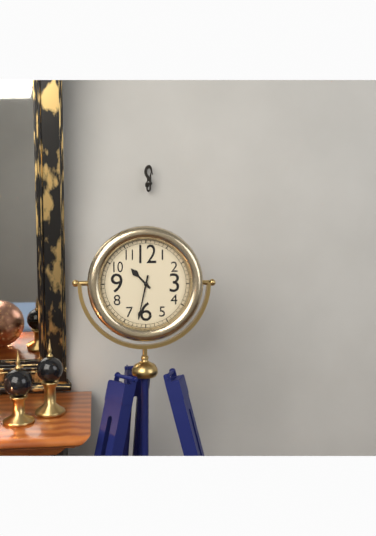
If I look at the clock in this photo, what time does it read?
10:32
